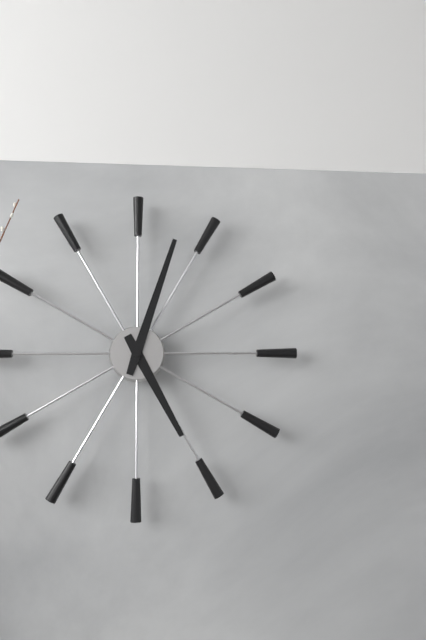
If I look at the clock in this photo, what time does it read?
5:03
